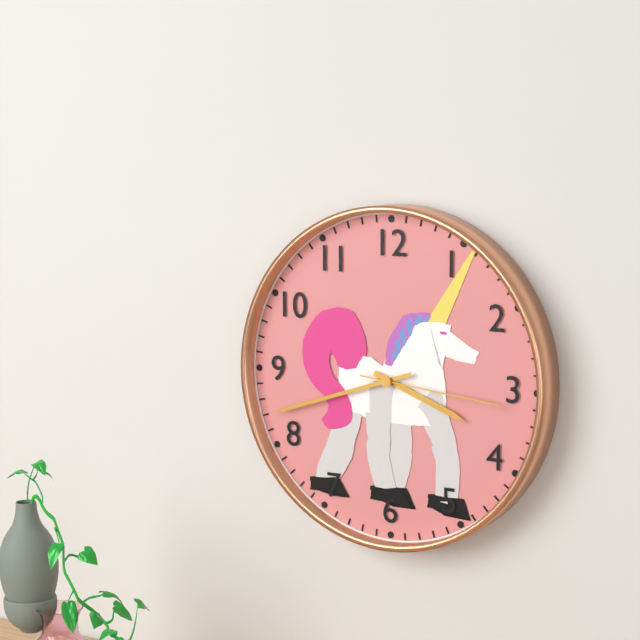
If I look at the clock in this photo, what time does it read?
3:42:16
